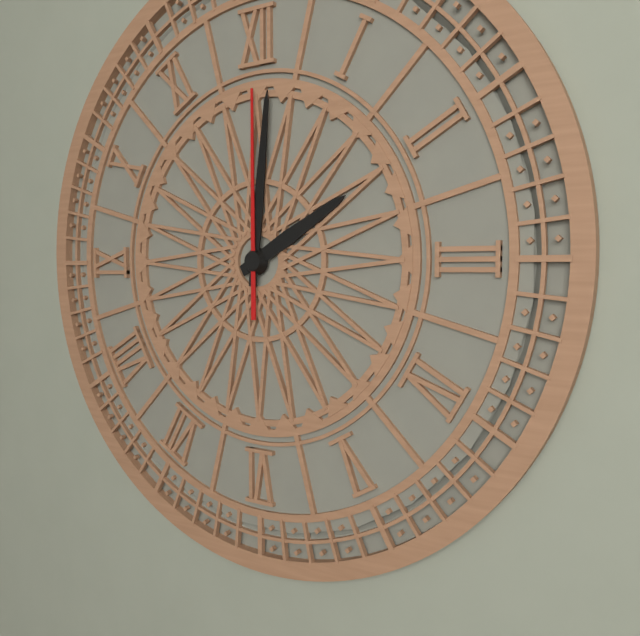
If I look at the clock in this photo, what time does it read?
2:01:00
